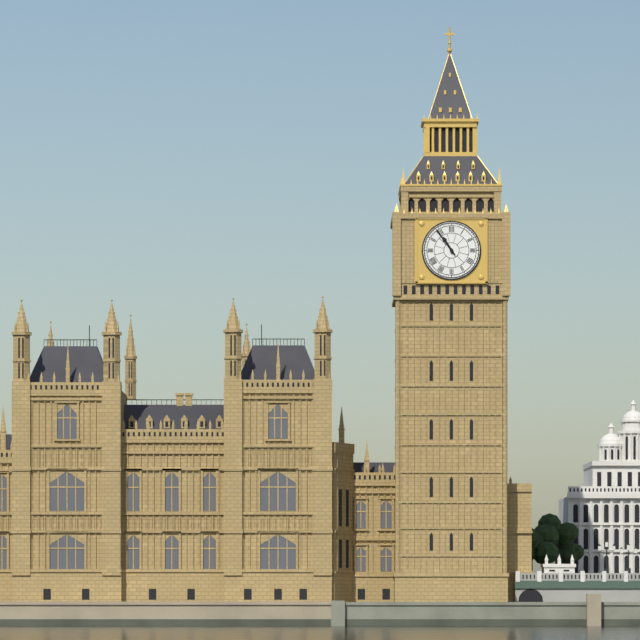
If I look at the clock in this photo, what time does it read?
10:54
